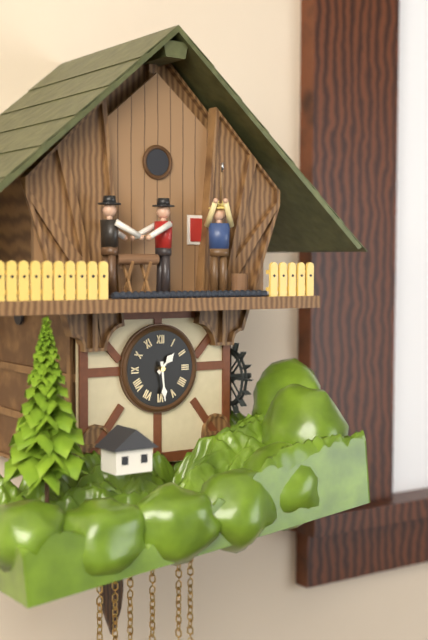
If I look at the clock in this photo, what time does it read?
1:29
